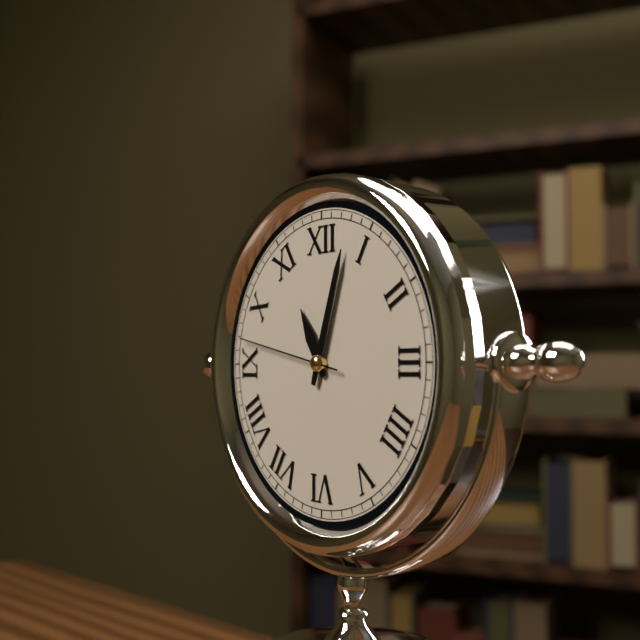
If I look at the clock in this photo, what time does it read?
11:03:47
